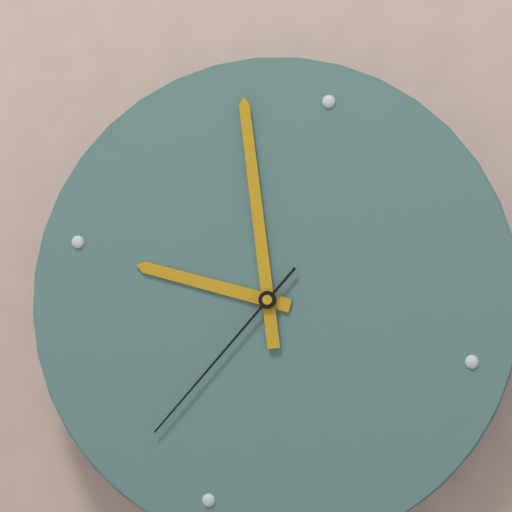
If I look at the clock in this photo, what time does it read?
8:56:34
